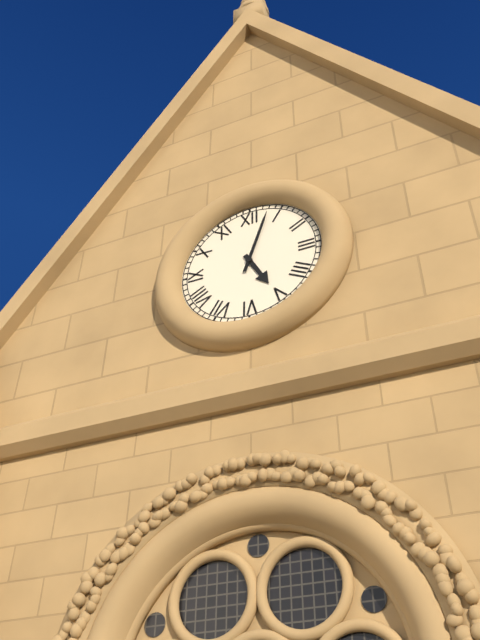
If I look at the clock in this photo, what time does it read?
5:03
